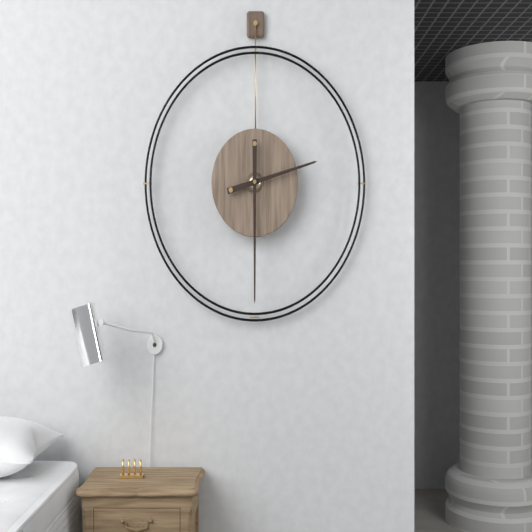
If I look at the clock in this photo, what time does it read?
2:30
